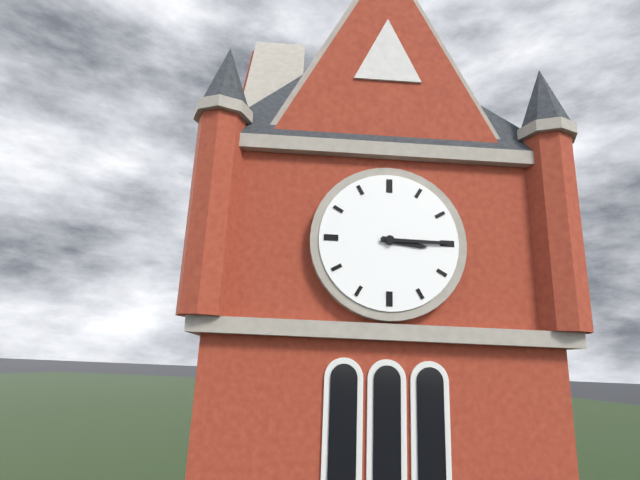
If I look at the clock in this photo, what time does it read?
3:15
